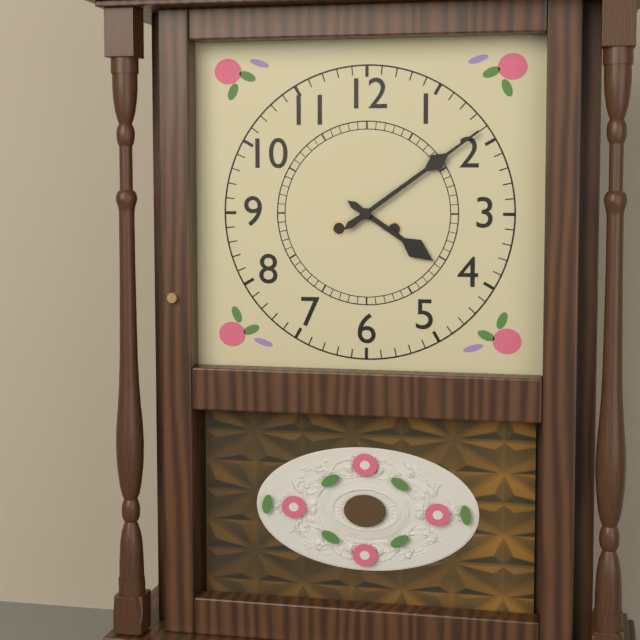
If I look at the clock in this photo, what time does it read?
4:09
